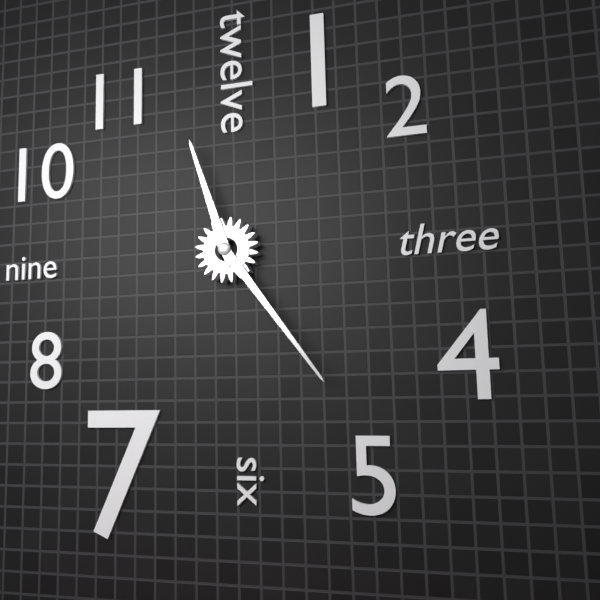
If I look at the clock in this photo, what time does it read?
11:24
